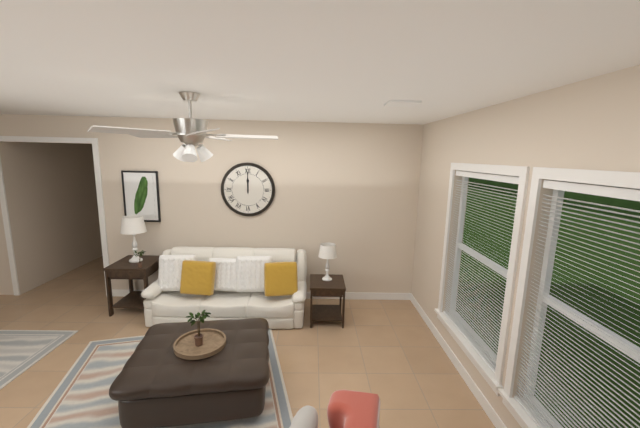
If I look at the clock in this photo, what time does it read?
12:00
